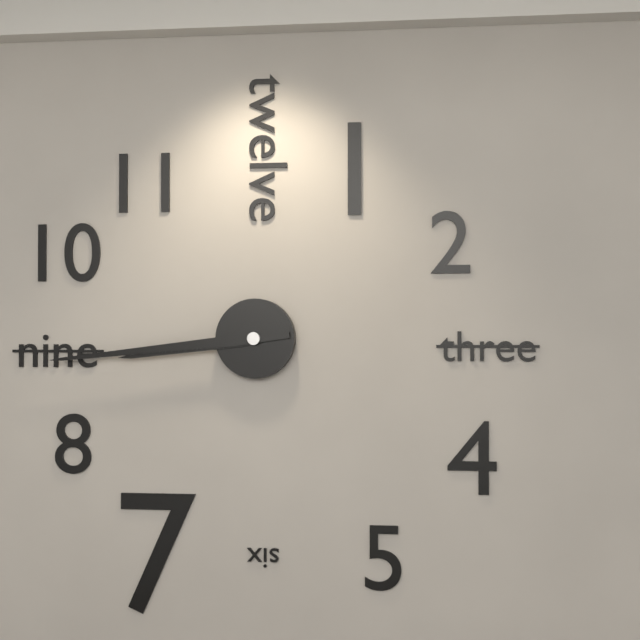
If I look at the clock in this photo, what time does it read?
8:44
